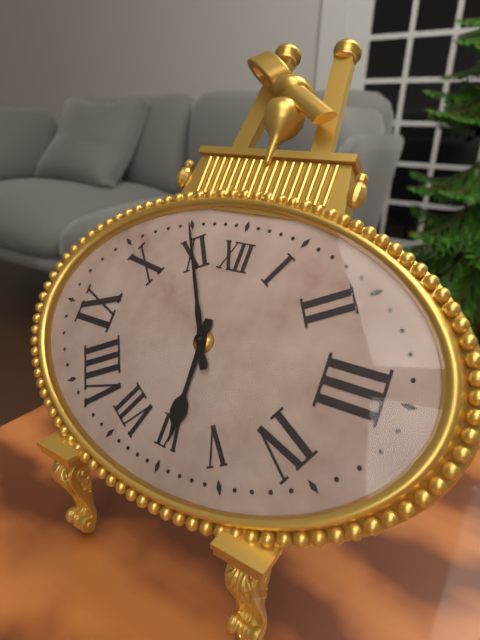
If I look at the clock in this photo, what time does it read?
5:55
